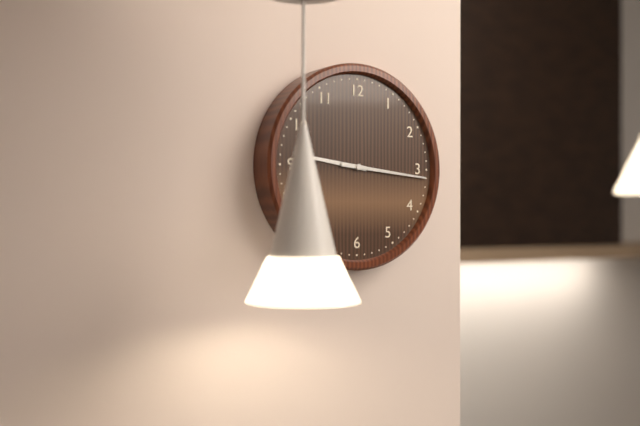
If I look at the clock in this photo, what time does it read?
9:16
